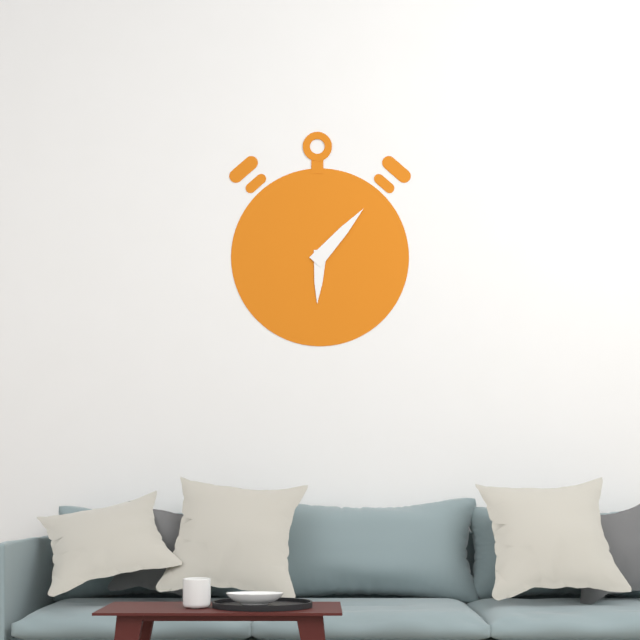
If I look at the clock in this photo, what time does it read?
6:07
